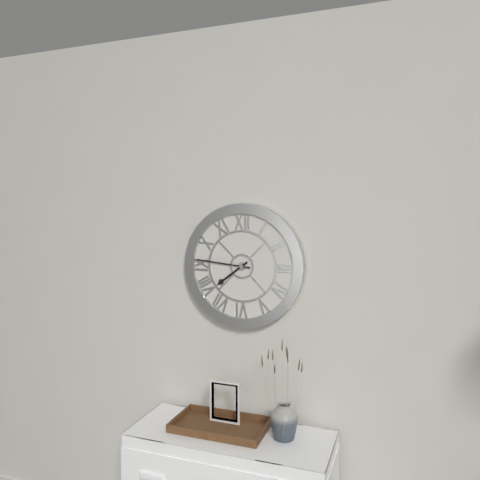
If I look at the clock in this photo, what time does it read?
7:46
